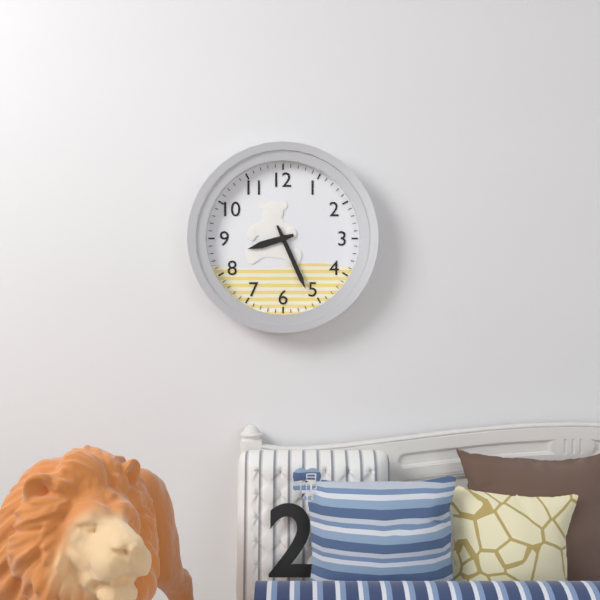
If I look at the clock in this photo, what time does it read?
8:26
